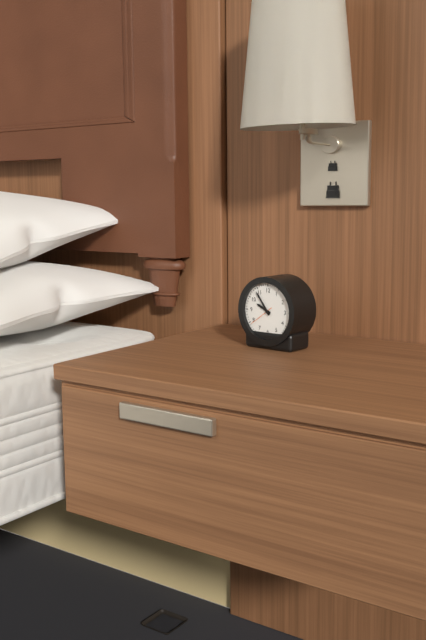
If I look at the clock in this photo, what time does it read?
9:54
